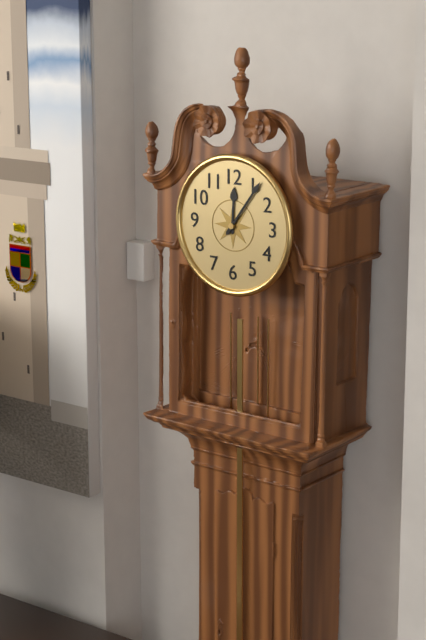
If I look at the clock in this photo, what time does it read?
12:06
